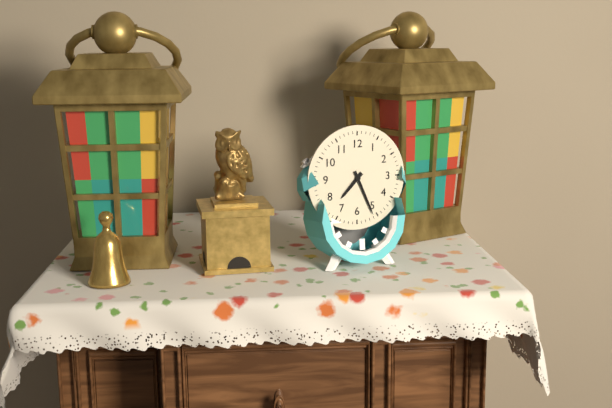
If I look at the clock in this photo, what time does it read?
7:26
